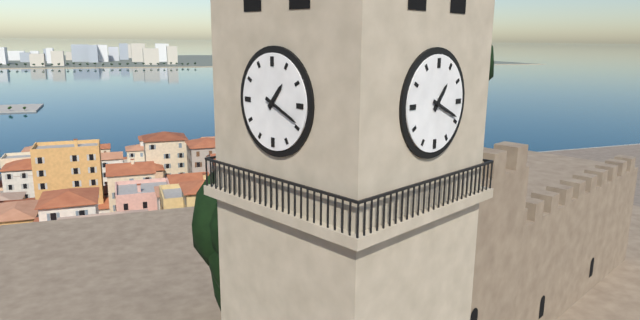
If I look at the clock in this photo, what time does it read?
1:19
